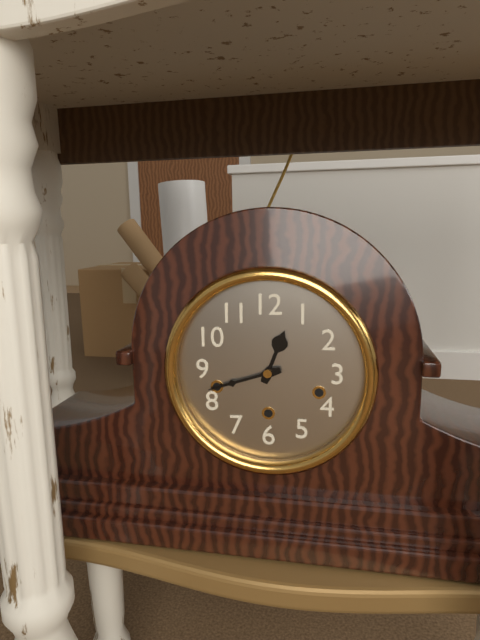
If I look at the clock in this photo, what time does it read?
12:42
